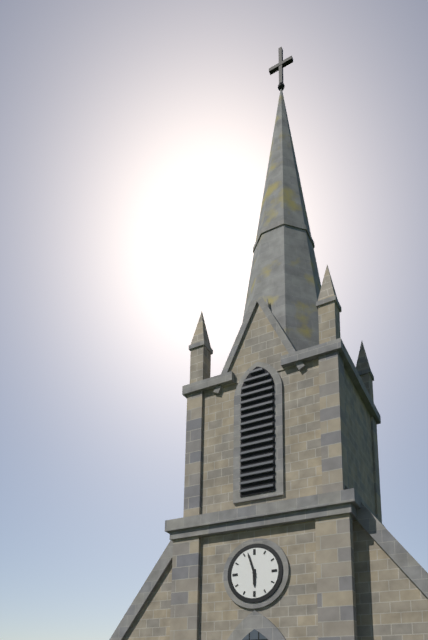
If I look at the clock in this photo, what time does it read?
5:57
